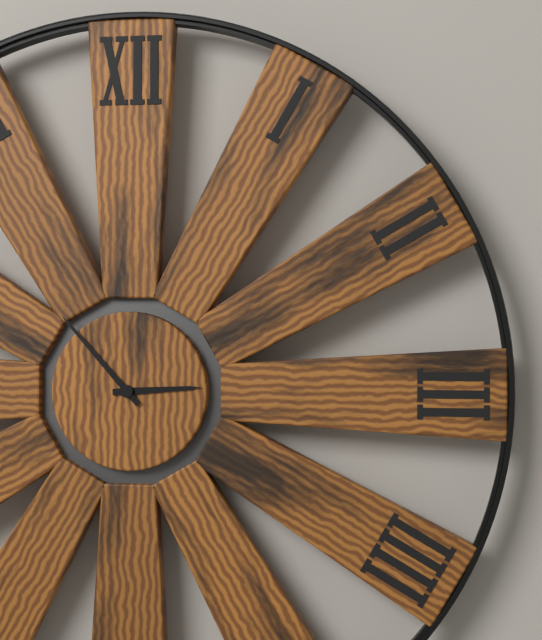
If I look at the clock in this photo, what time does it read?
2:53
